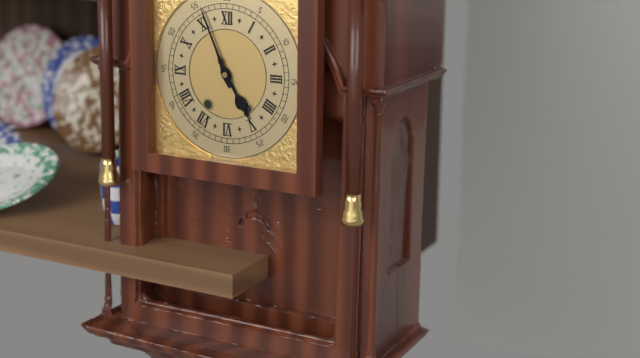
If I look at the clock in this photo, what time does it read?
4:56
